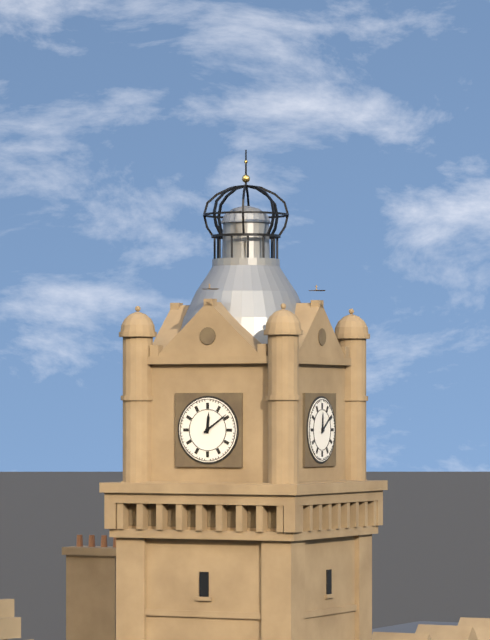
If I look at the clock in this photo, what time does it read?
12:09
